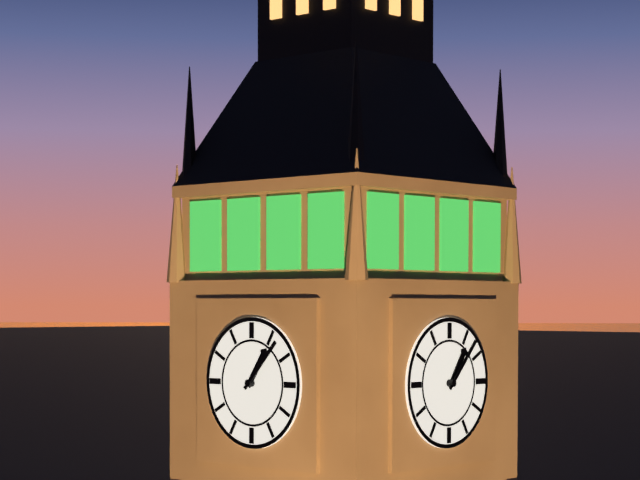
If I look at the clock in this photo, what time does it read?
1:07
